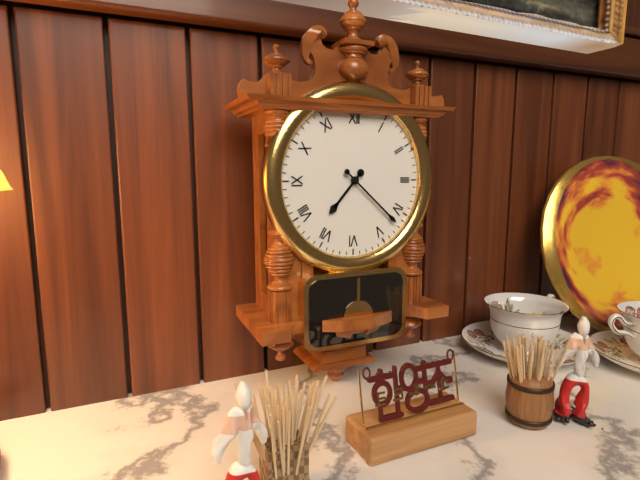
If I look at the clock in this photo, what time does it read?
7:22
